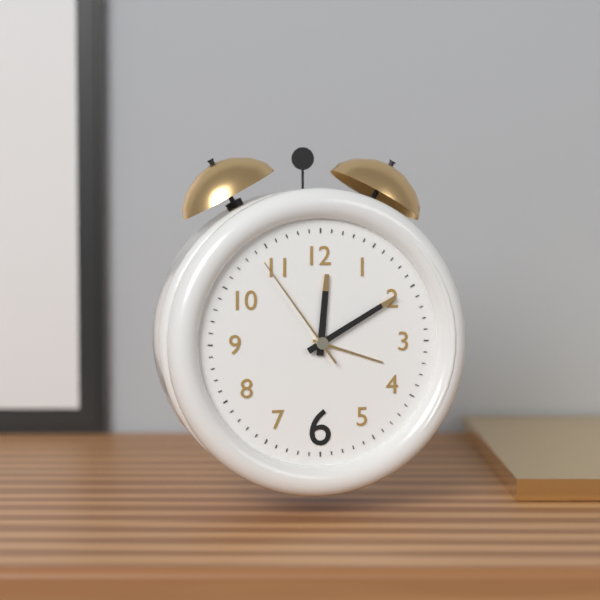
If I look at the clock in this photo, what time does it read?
12:10:54
